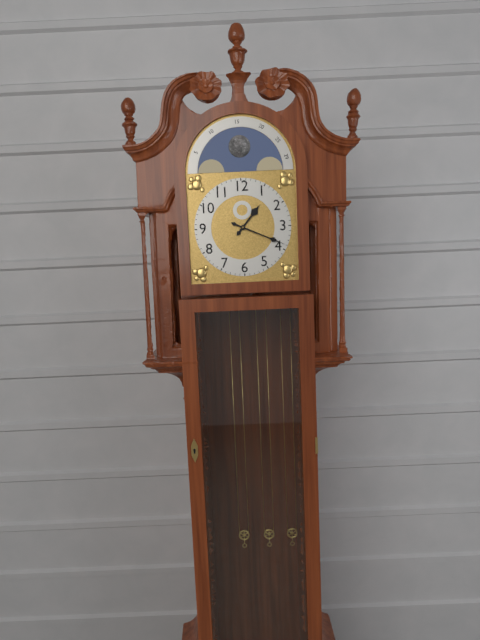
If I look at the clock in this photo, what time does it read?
1:19
